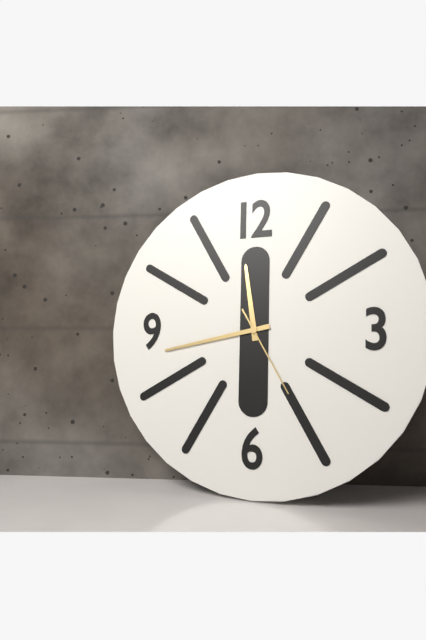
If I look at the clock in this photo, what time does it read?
11:43:25
